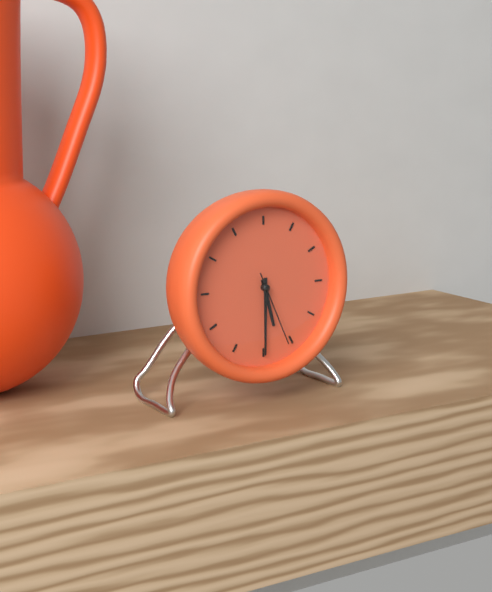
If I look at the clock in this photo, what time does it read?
5:30:26
